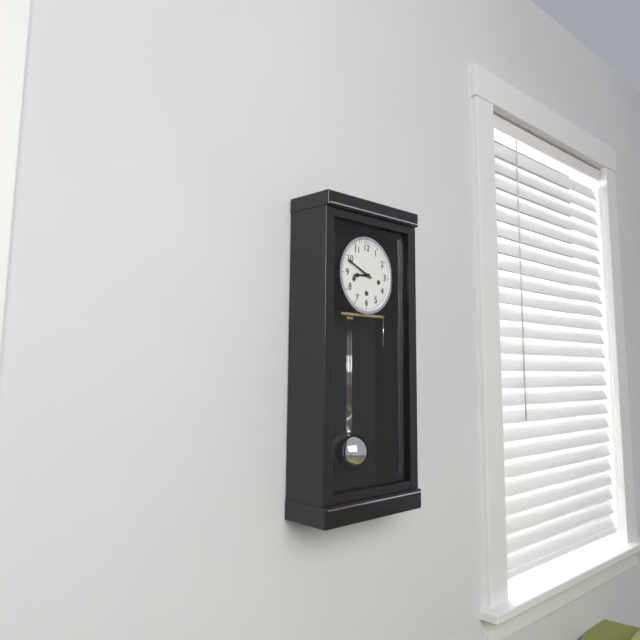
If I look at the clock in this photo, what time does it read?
8:49
